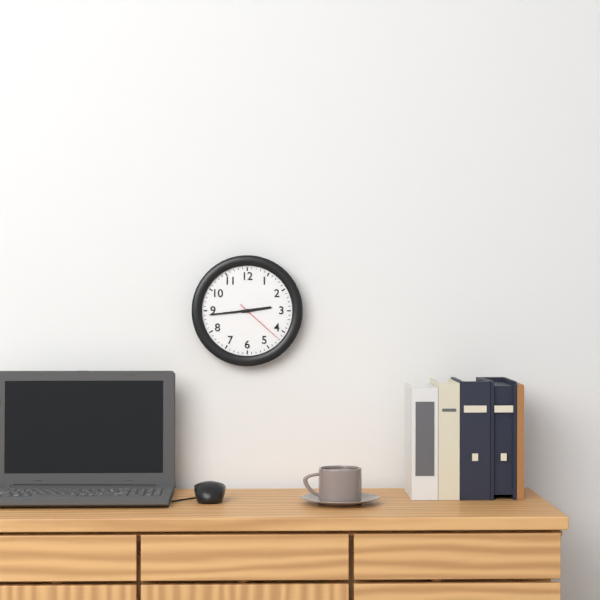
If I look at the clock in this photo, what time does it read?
2:44:22
